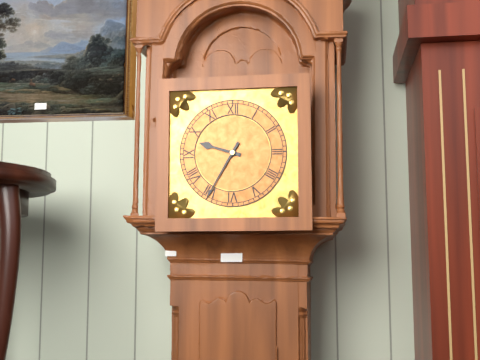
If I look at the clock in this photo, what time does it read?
9:35
